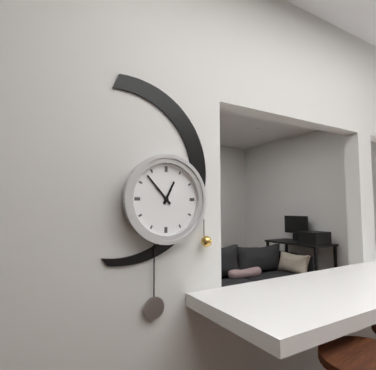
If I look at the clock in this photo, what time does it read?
12:53
